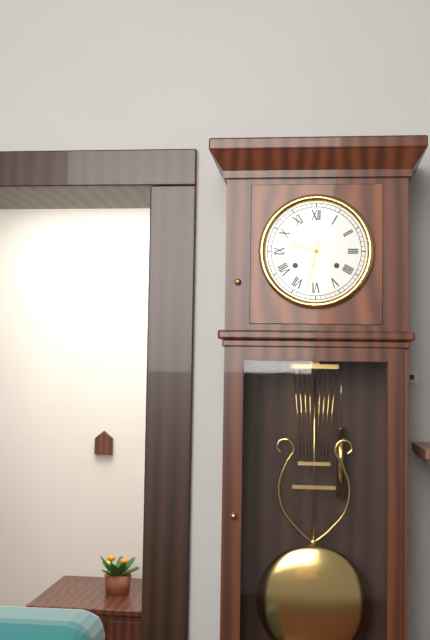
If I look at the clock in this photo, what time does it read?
9:32
